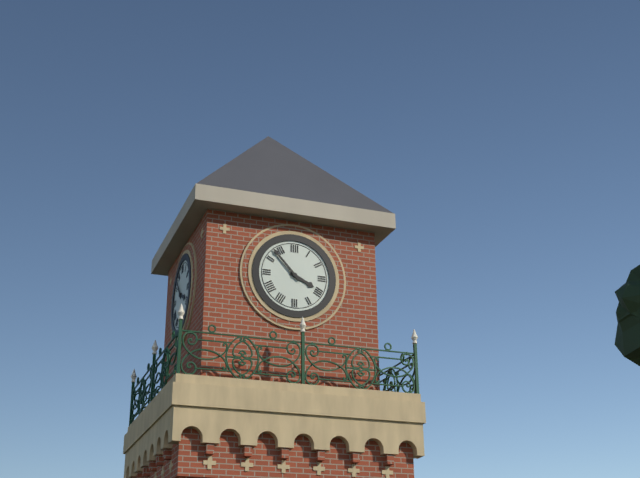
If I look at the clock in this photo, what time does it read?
3:53
